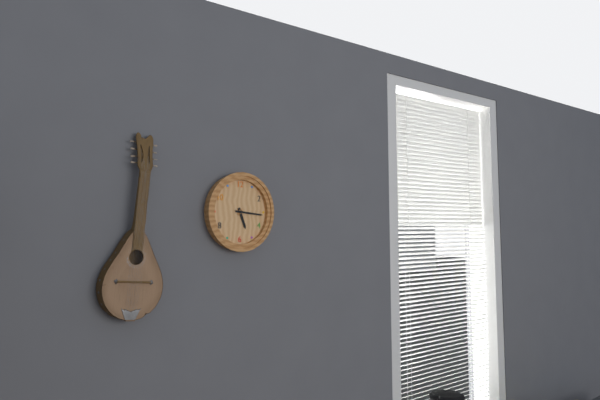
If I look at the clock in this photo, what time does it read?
5:16
